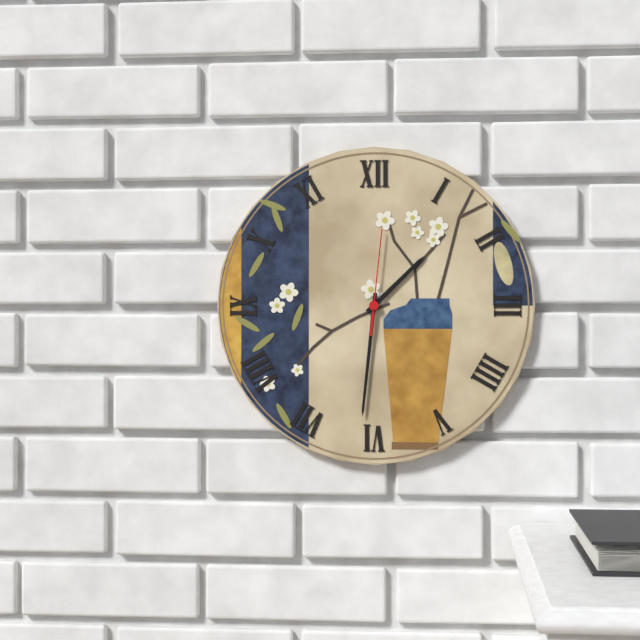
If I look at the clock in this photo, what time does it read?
1:31:01
